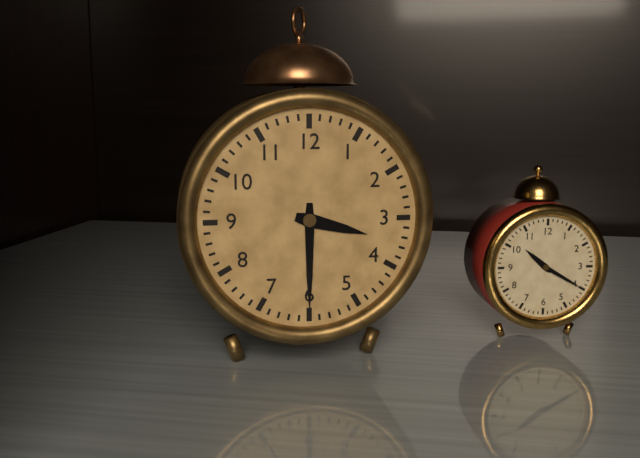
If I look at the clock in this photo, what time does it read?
3:30
